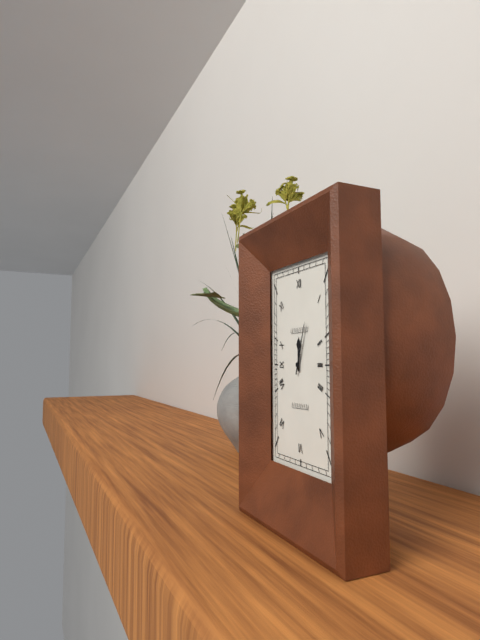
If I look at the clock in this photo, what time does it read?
12:03
